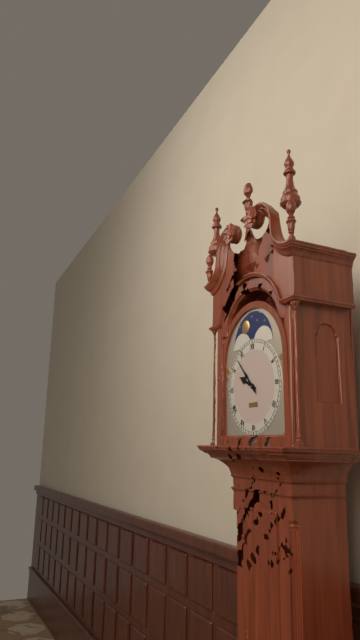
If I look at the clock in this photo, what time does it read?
9:53
